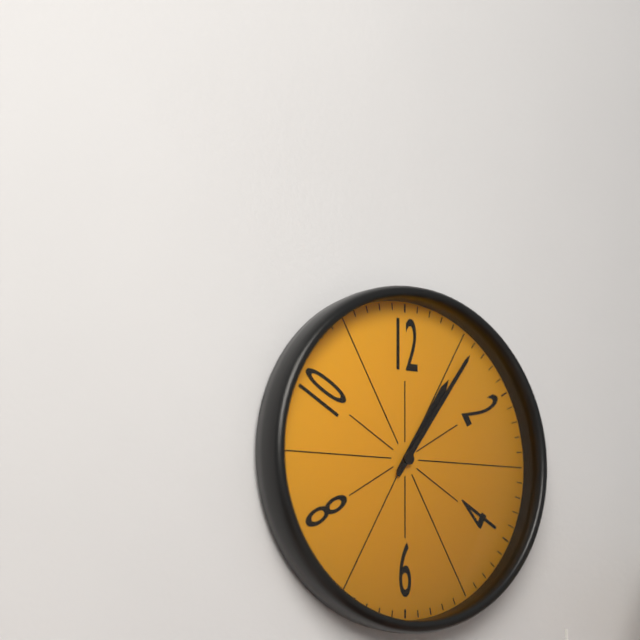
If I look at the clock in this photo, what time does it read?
1:06
